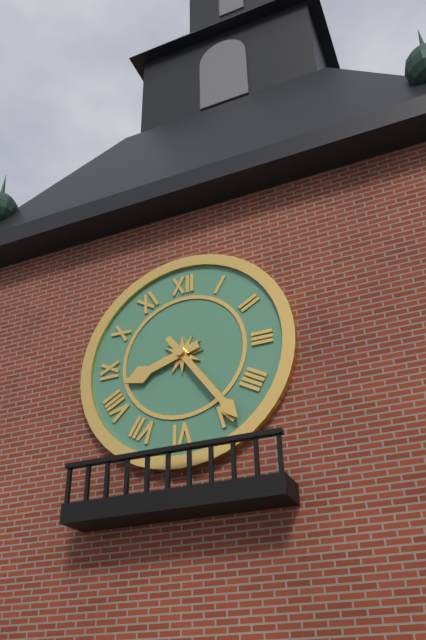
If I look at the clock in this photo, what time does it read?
8:24
